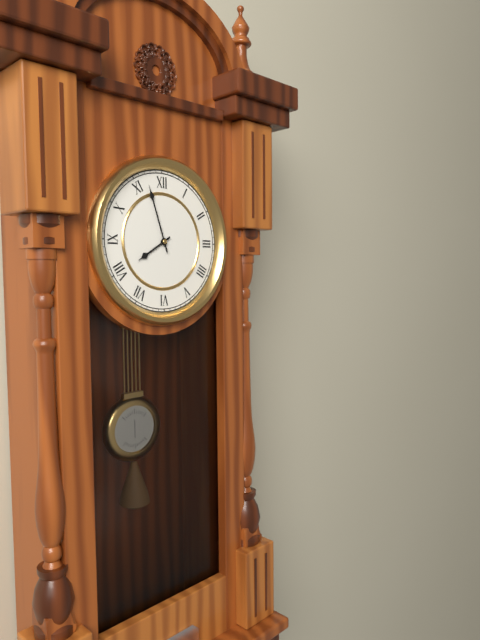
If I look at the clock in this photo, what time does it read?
7:57
